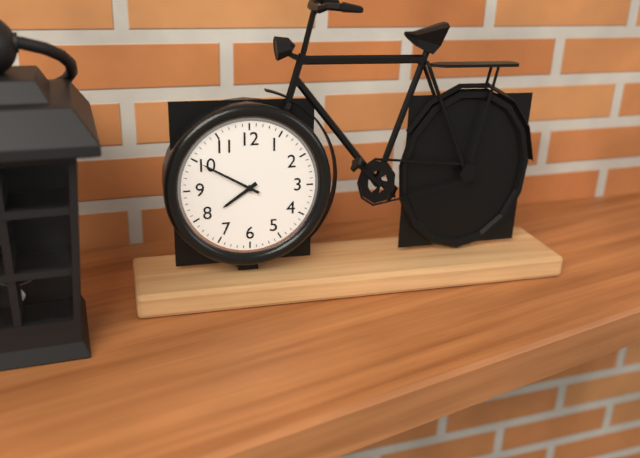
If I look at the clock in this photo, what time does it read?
7:50
